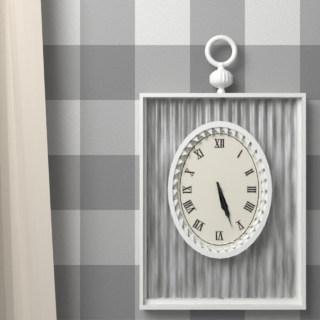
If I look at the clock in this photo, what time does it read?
5:27
